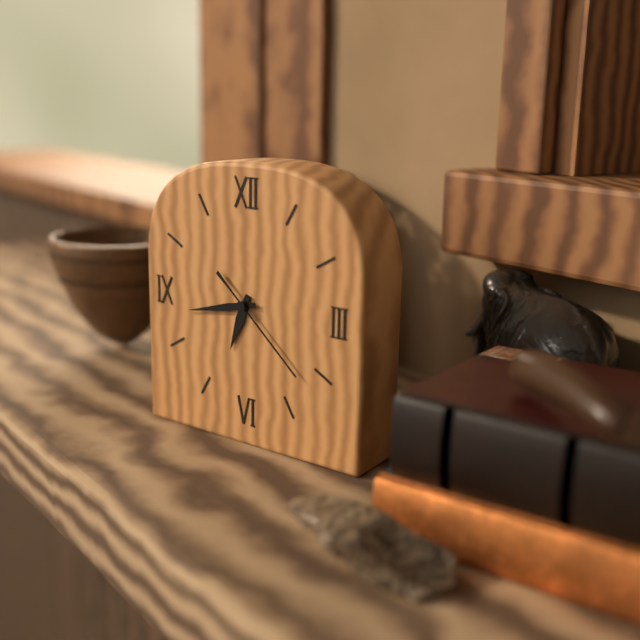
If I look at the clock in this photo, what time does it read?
6:43:22
